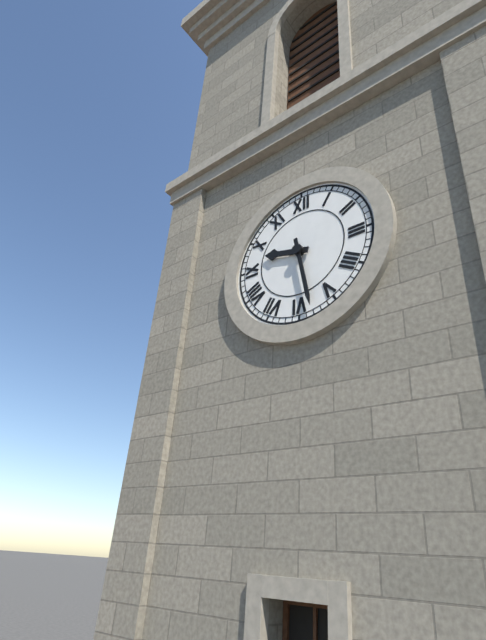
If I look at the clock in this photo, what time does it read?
9:28
